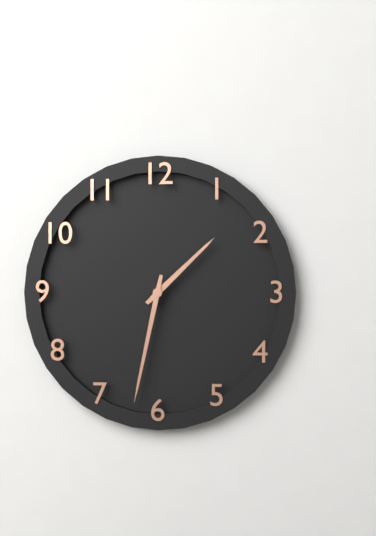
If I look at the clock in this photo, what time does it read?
1:32
